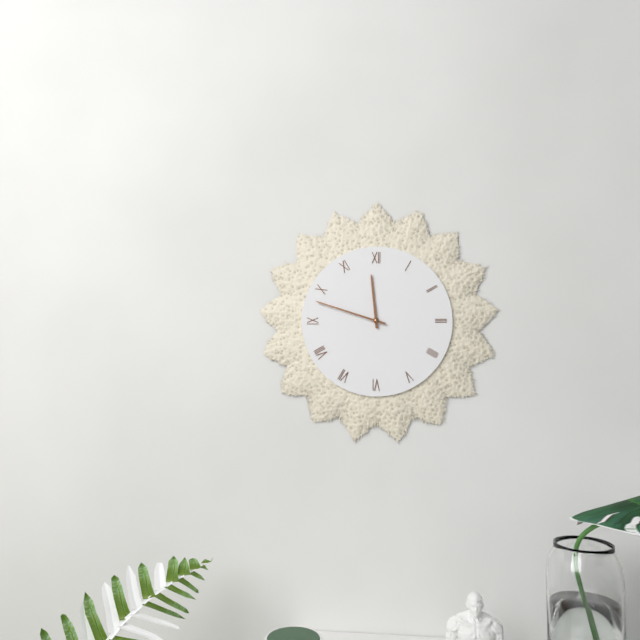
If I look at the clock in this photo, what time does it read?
11:48
